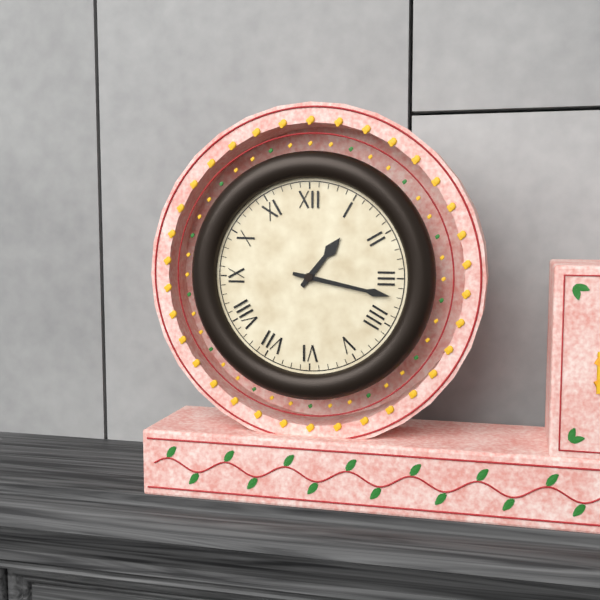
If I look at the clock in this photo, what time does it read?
1:17
